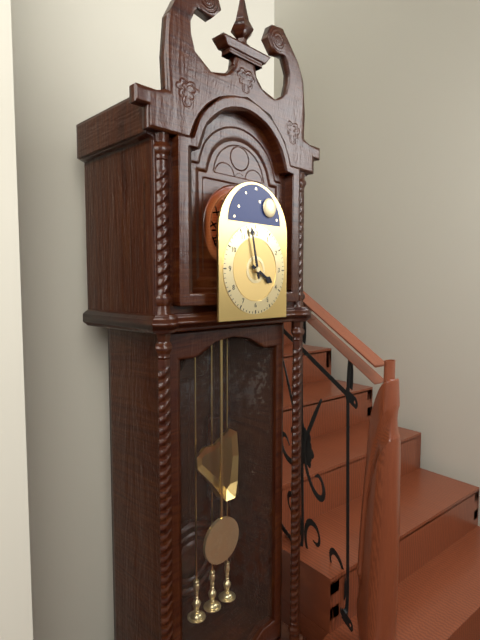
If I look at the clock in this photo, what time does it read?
3:58
